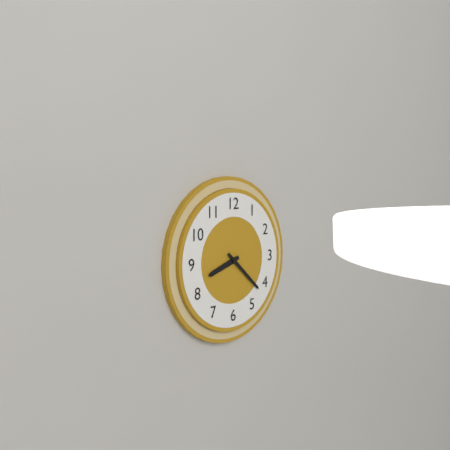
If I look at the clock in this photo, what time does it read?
8:22
